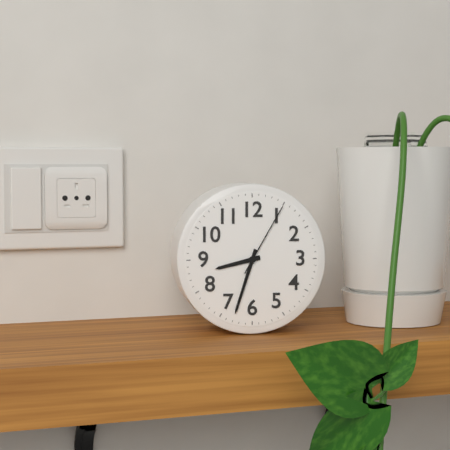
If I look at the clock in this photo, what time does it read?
8:33:05
